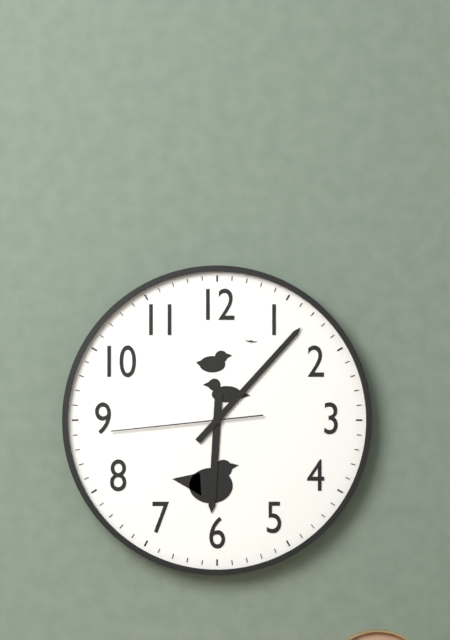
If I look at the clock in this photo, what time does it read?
6:07:44
